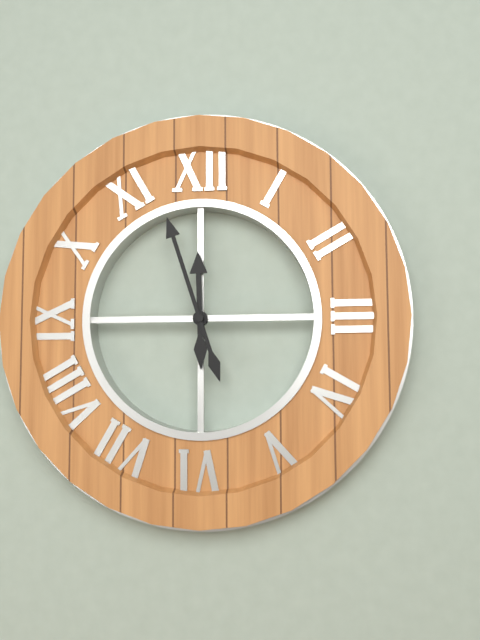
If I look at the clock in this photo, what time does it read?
11:57
